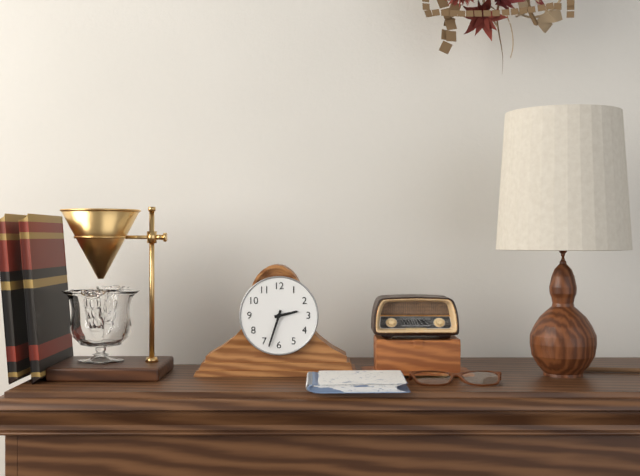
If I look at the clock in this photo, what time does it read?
2:33
